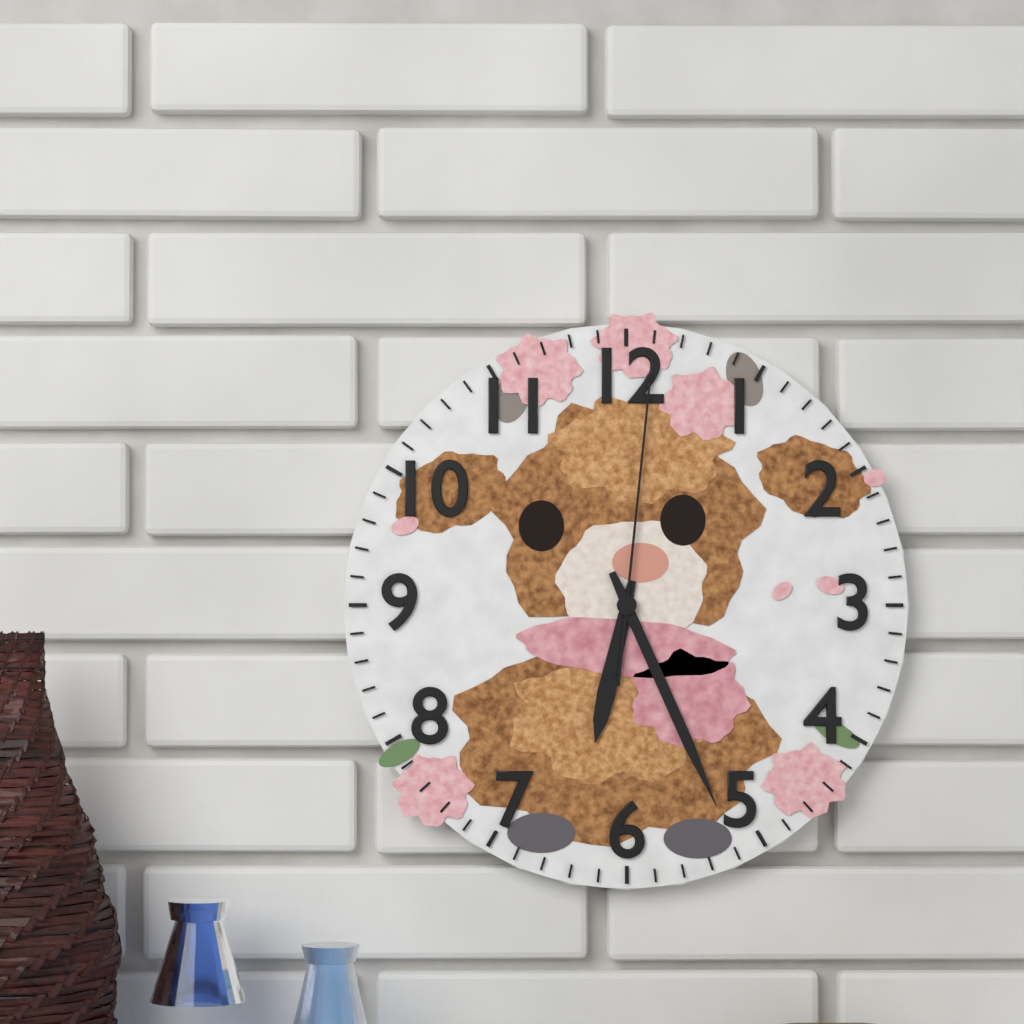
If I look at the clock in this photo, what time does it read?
6:26:01
